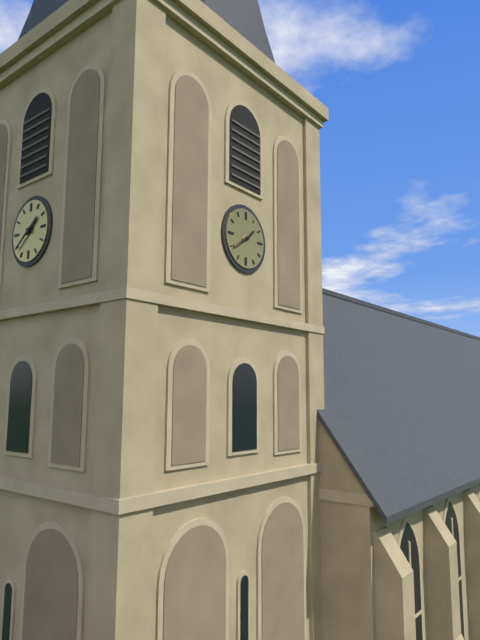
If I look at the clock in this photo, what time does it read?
1:39
